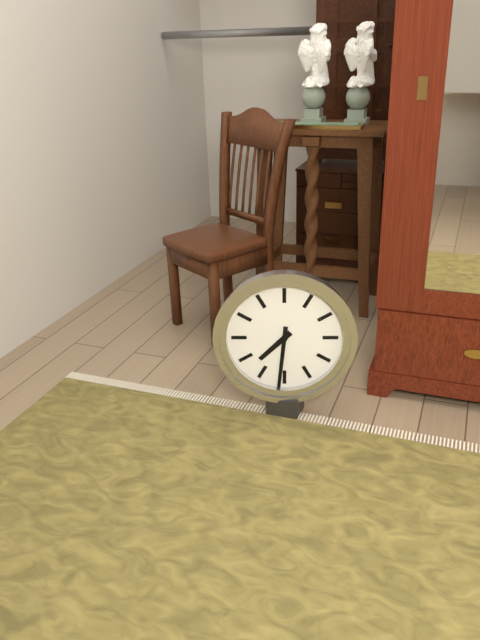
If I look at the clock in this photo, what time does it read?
7:31
